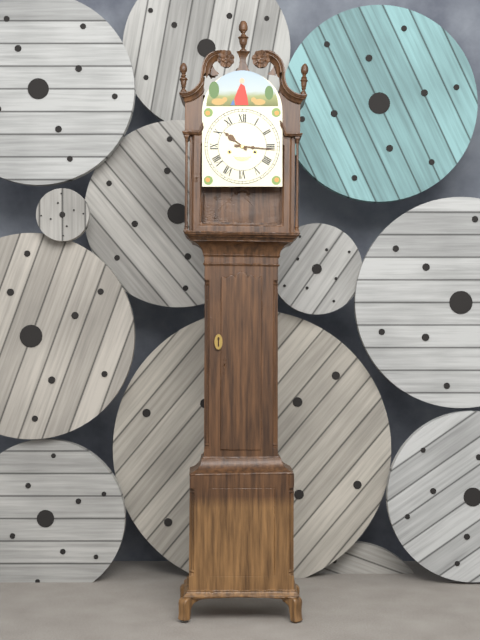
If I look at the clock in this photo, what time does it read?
10:16
